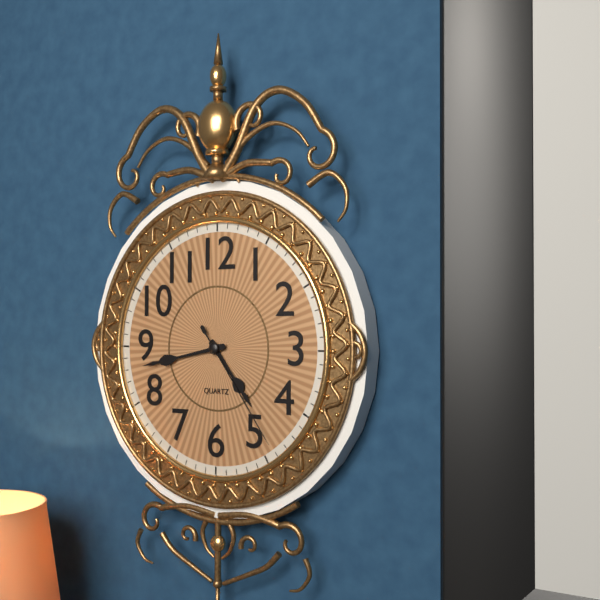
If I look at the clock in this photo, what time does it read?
4:43:24
